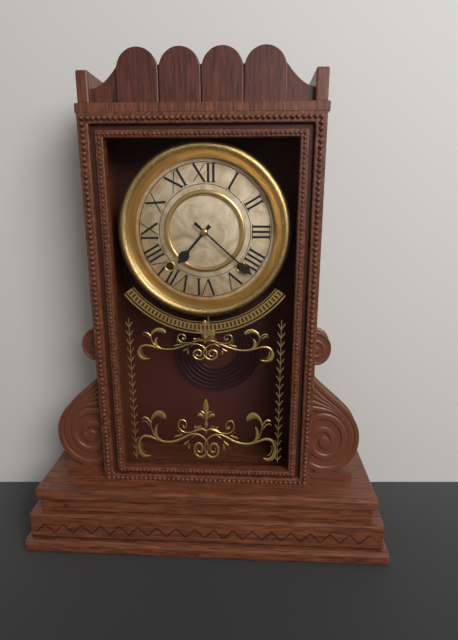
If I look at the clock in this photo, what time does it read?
7:22
